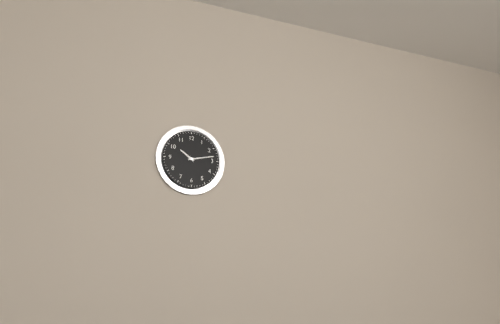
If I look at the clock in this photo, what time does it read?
10:13
